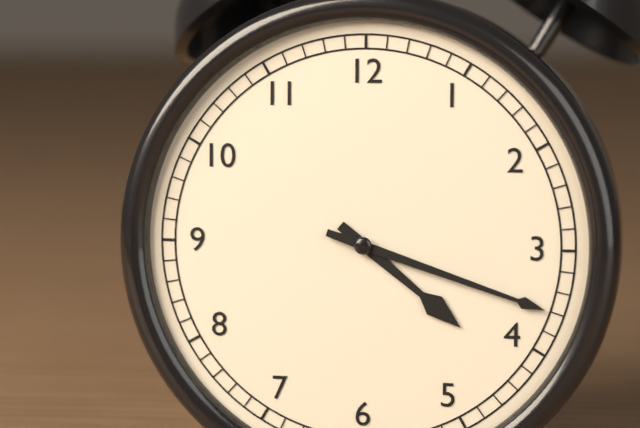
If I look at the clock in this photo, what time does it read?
4:18
